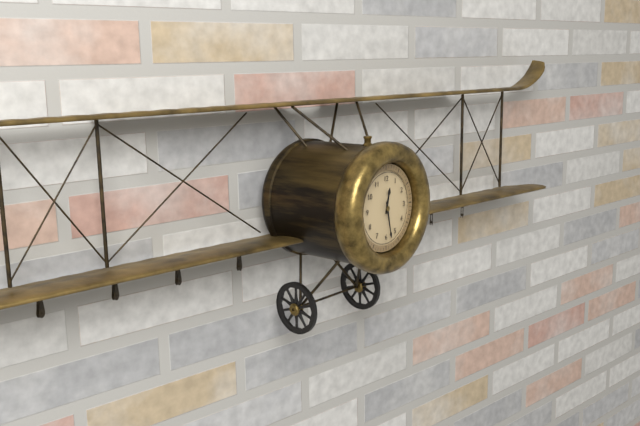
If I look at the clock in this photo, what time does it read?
12:28
